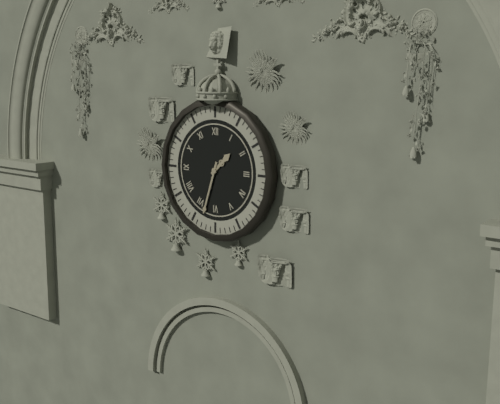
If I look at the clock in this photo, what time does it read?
1:33
